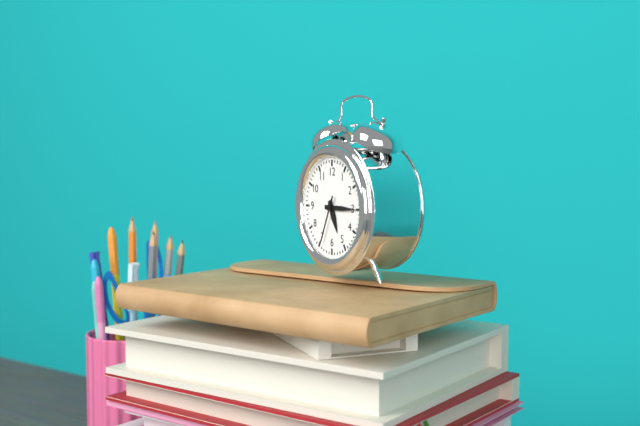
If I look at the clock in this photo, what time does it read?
5:15:34
